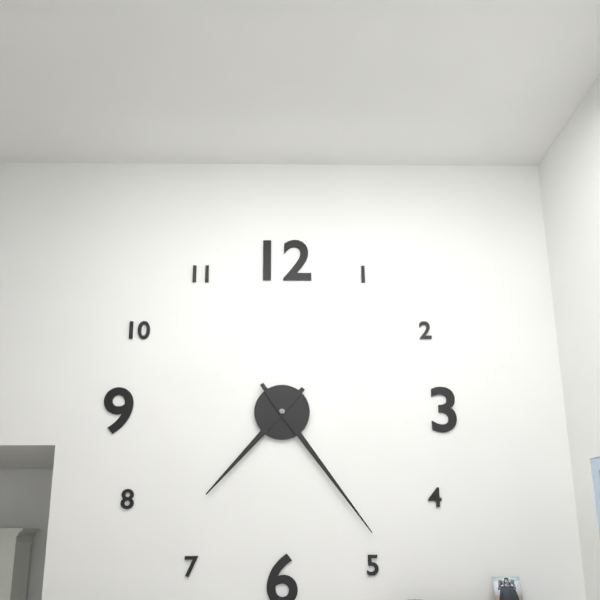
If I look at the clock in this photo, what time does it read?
7:24
